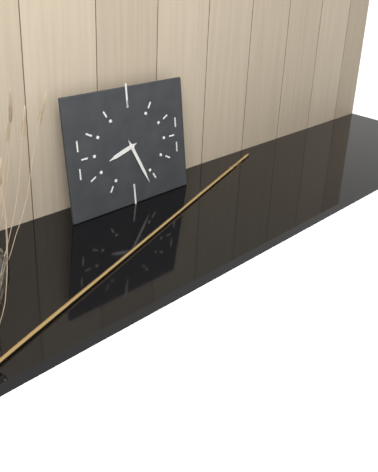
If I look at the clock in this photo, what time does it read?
8:26
